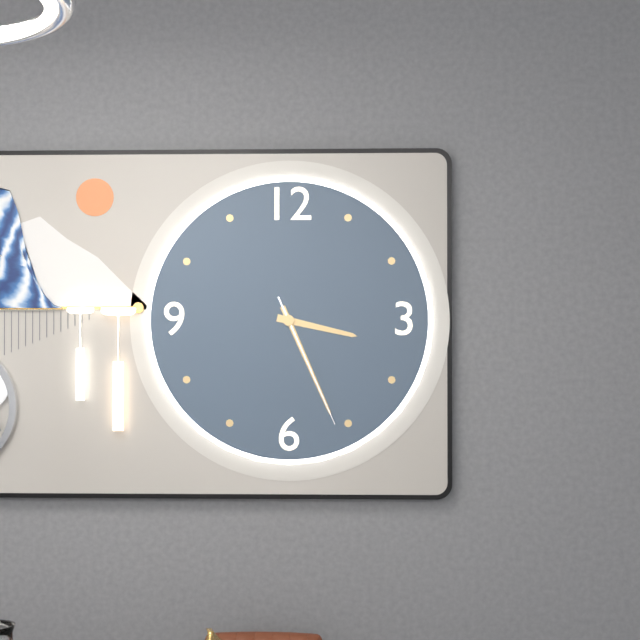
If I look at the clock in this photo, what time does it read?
3:26:26
